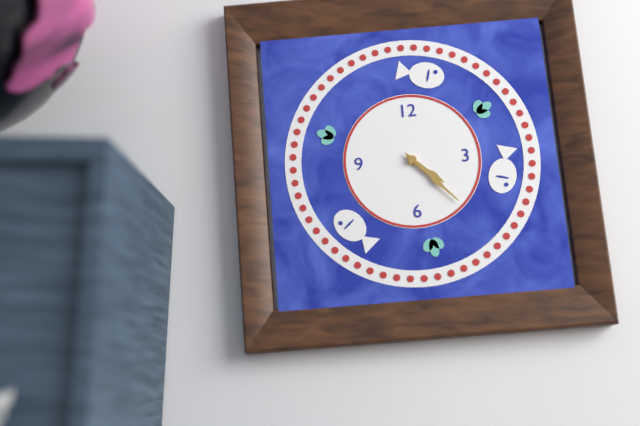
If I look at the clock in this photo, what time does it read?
4:23
